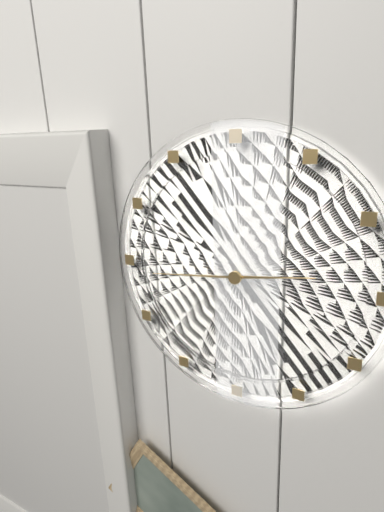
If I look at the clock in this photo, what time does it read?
2:44
